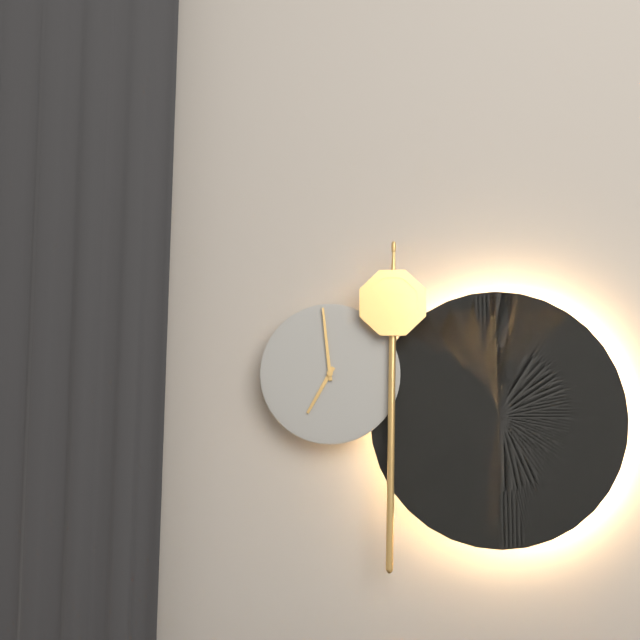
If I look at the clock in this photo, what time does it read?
6:59
